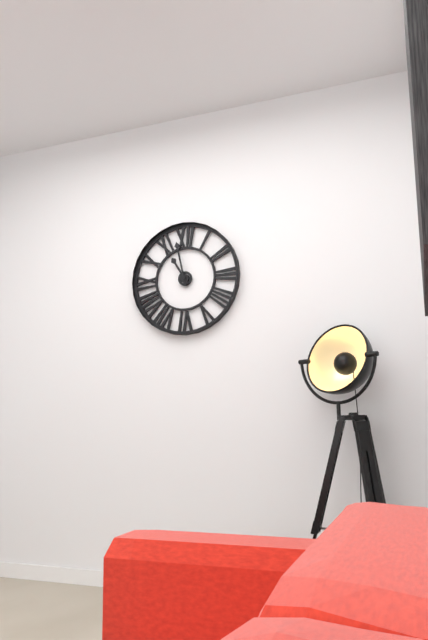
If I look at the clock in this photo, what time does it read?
10:58
